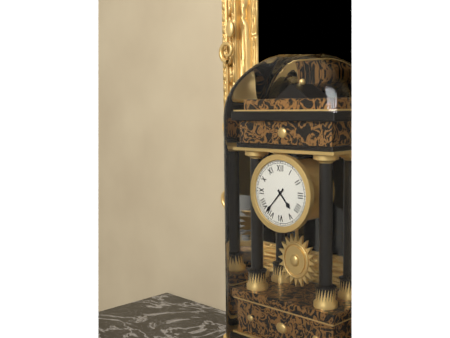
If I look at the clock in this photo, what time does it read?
4:37
